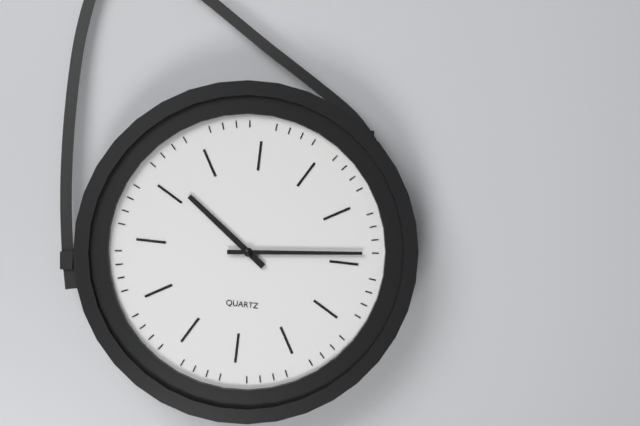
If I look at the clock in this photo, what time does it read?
10:14
